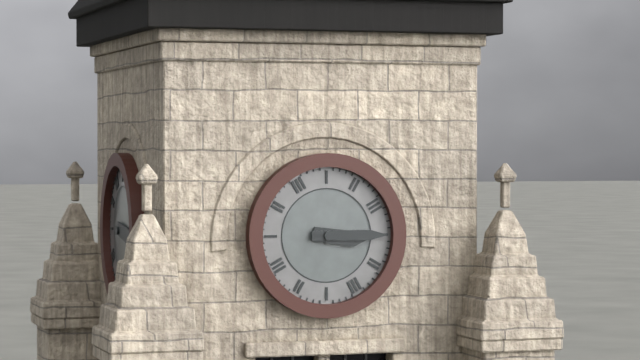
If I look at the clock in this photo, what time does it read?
3:15
